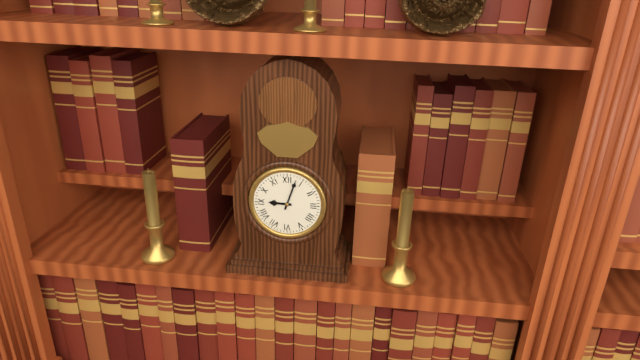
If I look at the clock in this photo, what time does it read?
9:03
